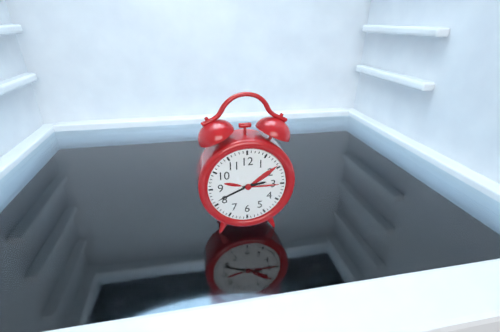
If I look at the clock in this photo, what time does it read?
2:41
